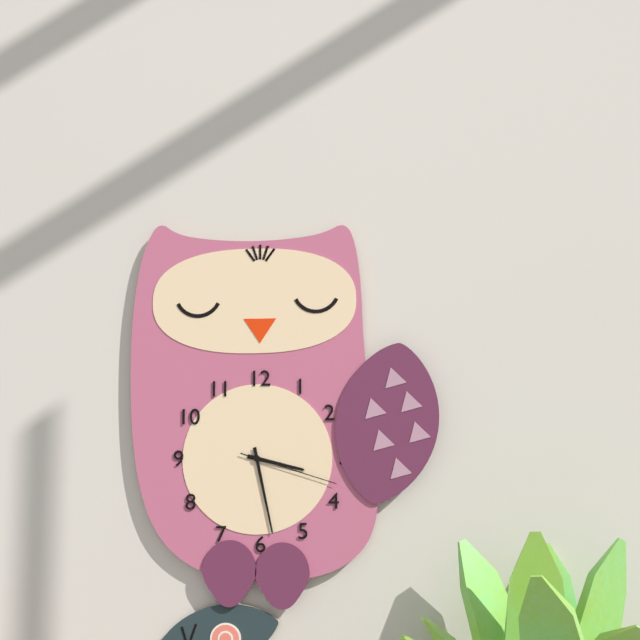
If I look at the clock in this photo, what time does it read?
3:28:18
